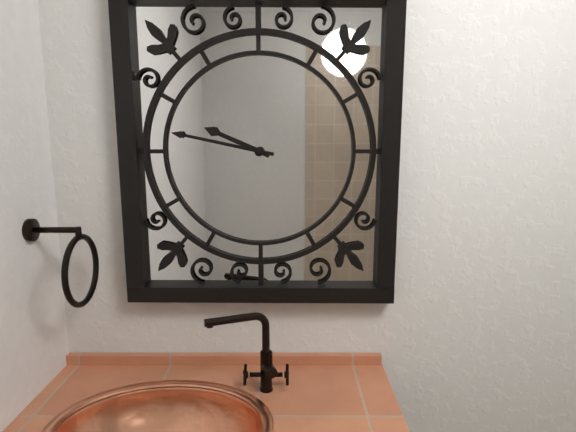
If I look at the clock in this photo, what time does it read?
9:47
